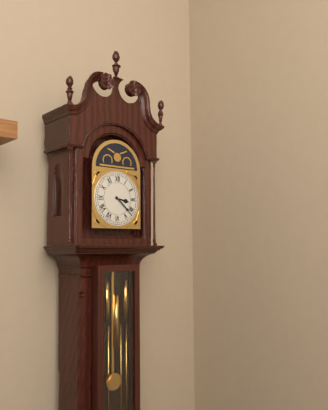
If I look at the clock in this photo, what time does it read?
3:22
